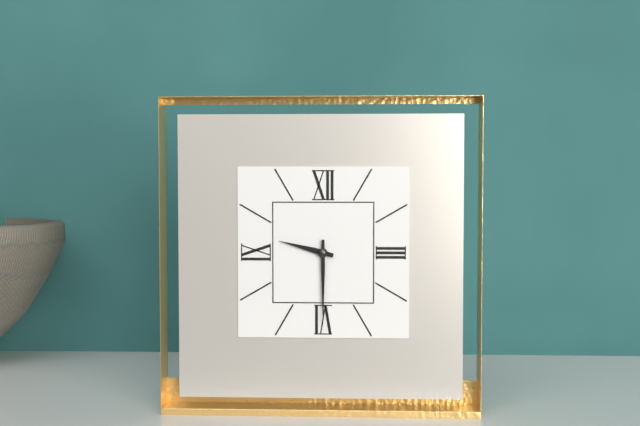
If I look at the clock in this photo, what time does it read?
9:30
